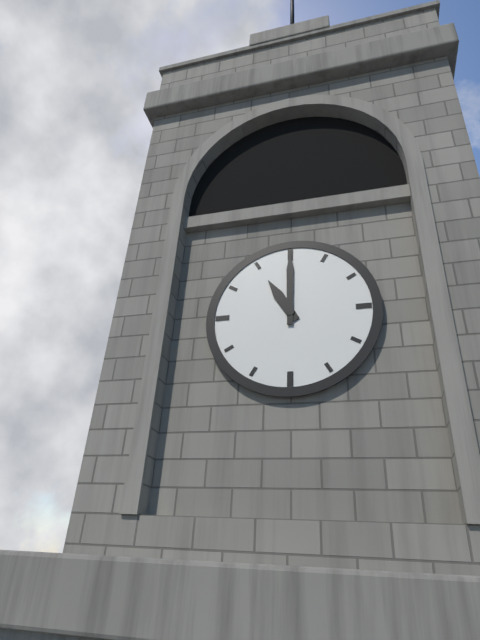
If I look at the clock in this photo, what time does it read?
11:00
